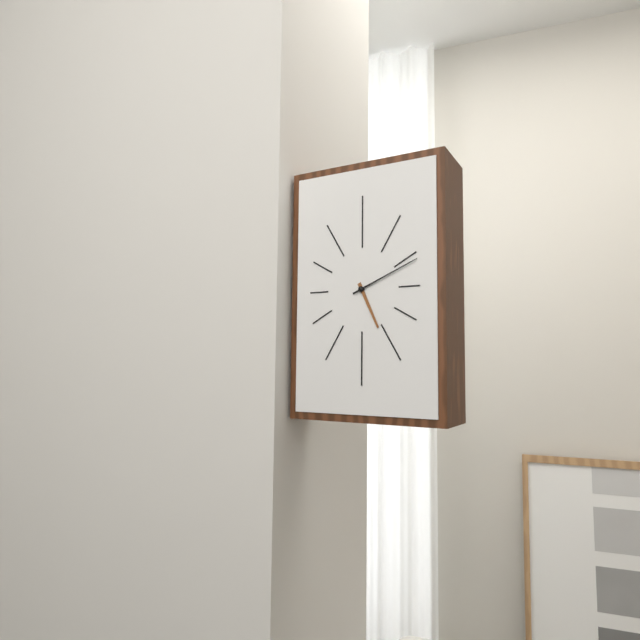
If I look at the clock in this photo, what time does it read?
5:11
